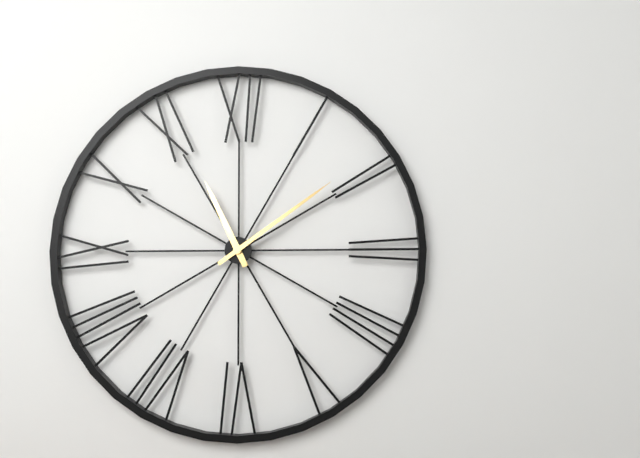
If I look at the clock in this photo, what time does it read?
11:09
